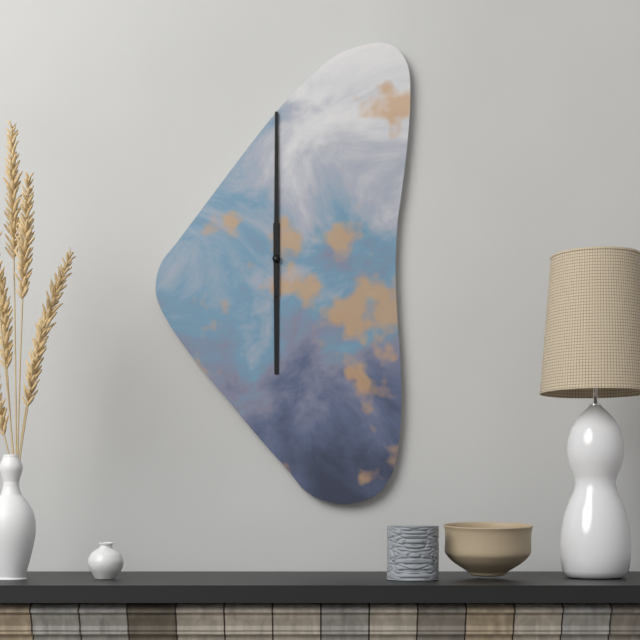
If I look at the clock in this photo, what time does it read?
6:00
